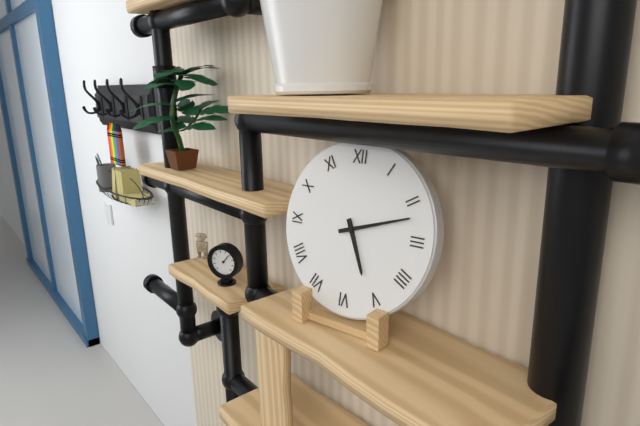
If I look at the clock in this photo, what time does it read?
5:12
